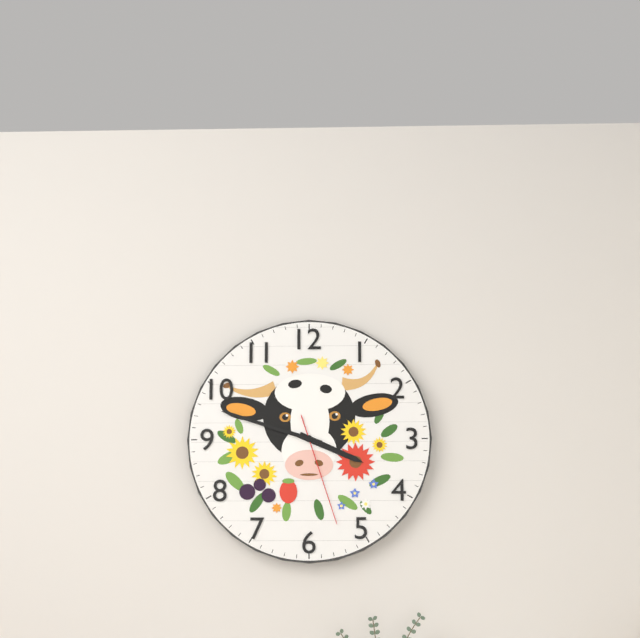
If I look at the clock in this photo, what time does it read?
3:48:27
